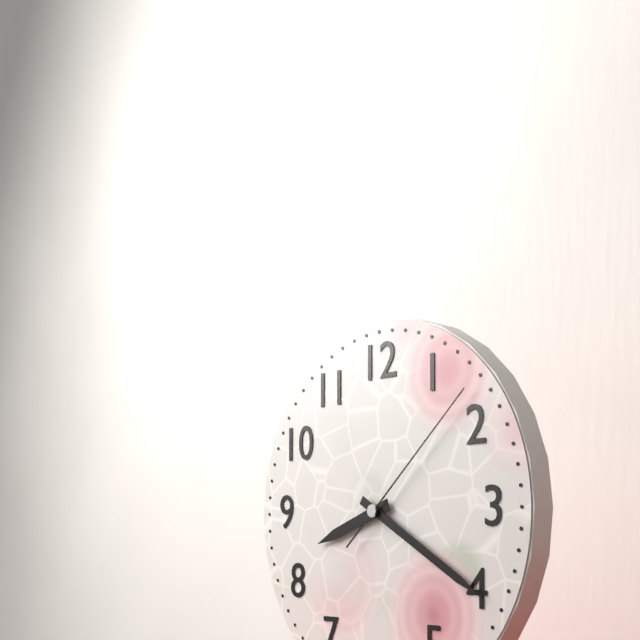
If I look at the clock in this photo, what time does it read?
8:20:08
